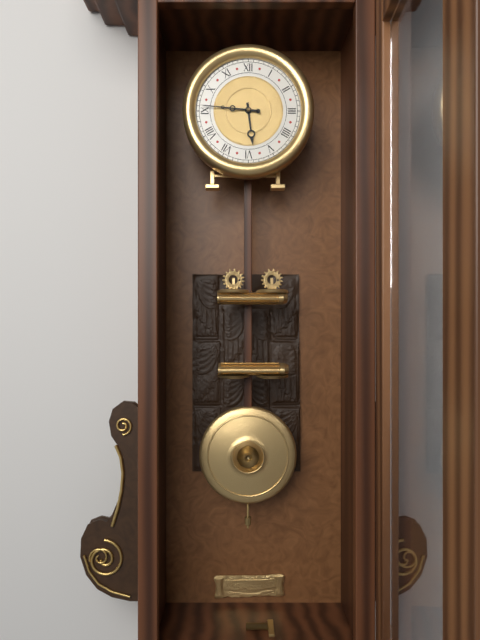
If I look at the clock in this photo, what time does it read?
5:46
